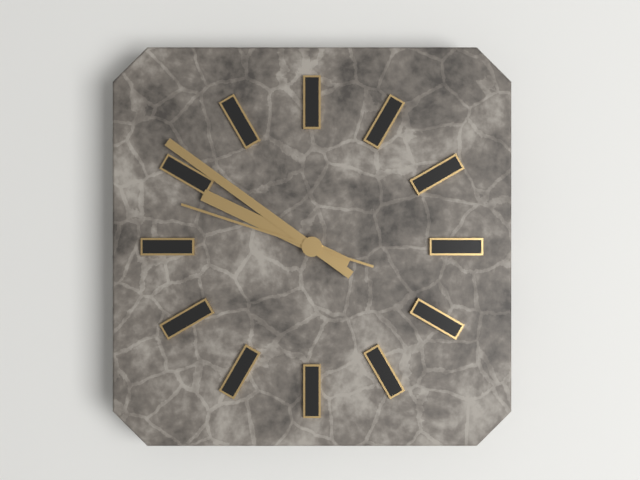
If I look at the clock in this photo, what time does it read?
9:51:48
